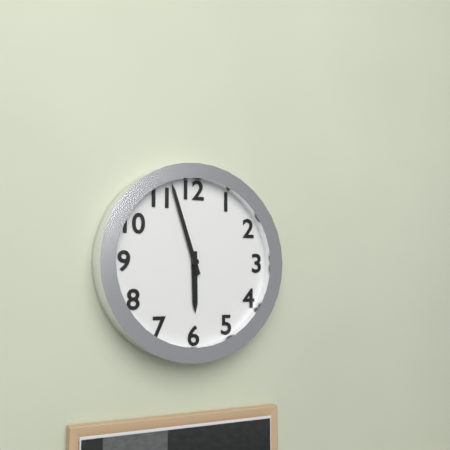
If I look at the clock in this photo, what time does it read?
5:57
